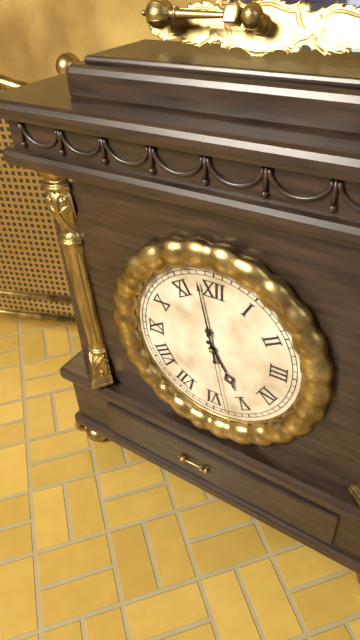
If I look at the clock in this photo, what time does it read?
4:58:28
